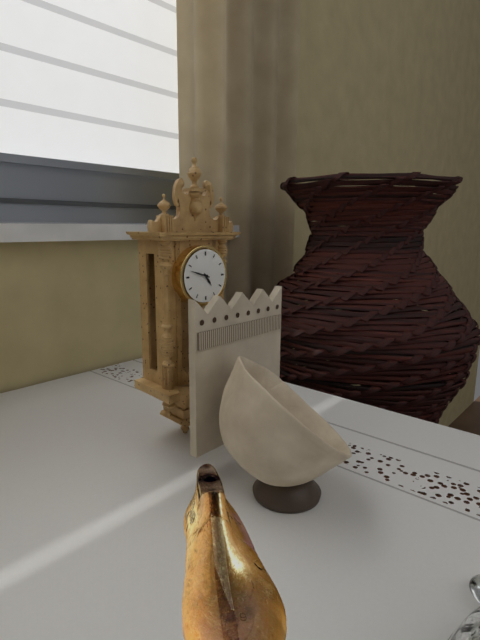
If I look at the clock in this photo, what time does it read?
4:48
